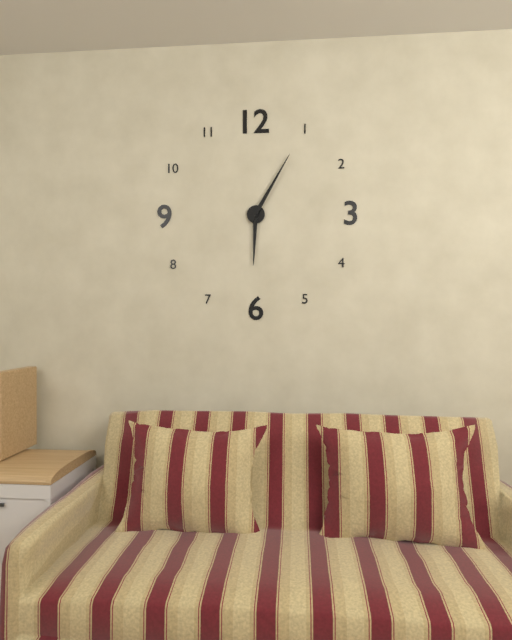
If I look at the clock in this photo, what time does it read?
6:05
